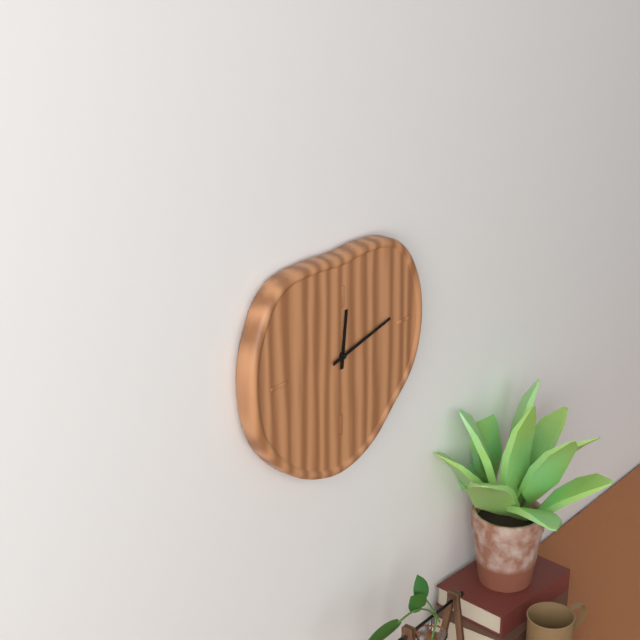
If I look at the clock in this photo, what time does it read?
12:13
